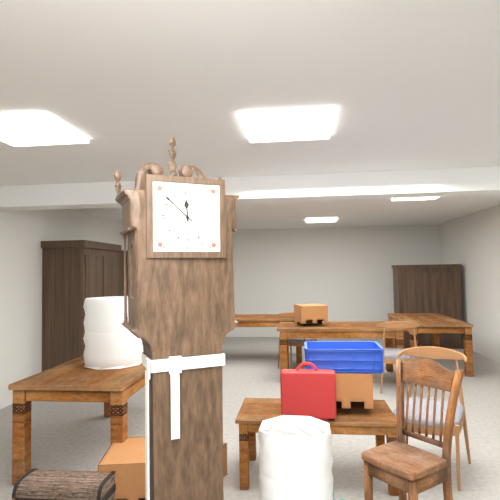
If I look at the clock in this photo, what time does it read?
11:52
